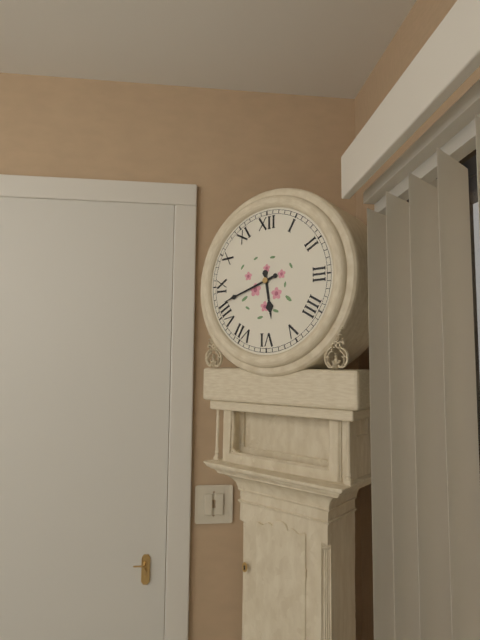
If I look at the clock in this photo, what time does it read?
5:42
